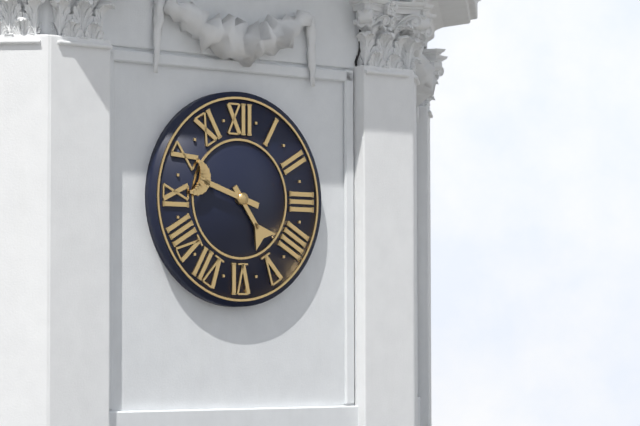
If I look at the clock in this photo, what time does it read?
4:48
